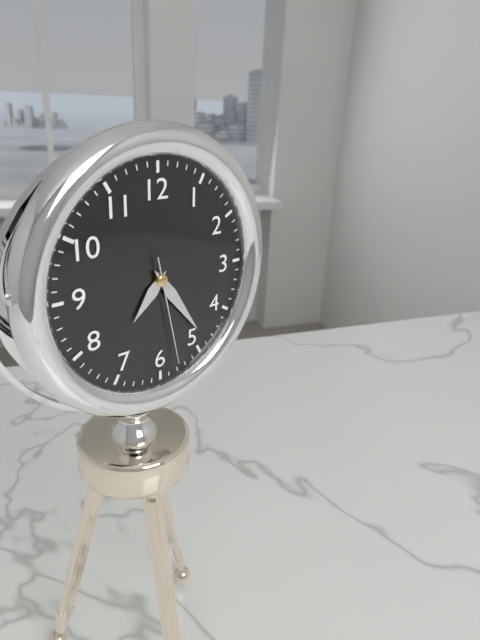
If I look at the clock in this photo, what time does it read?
7:24:28
